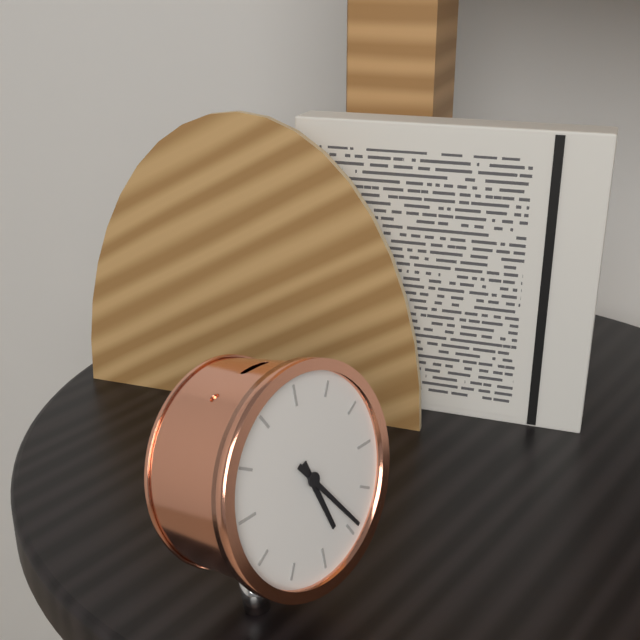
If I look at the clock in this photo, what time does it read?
5:24
